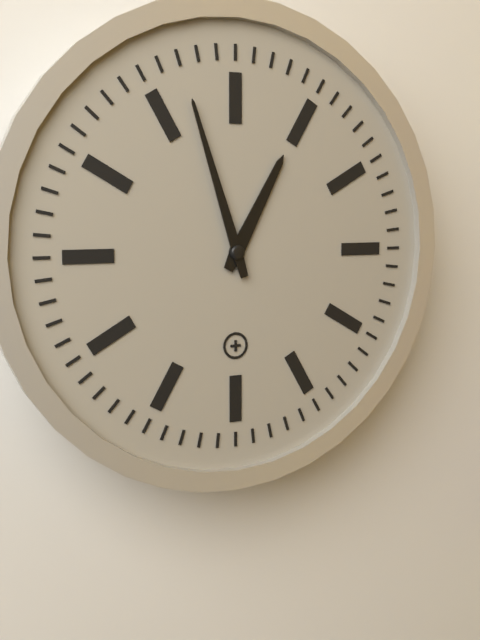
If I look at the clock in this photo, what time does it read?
12:57
